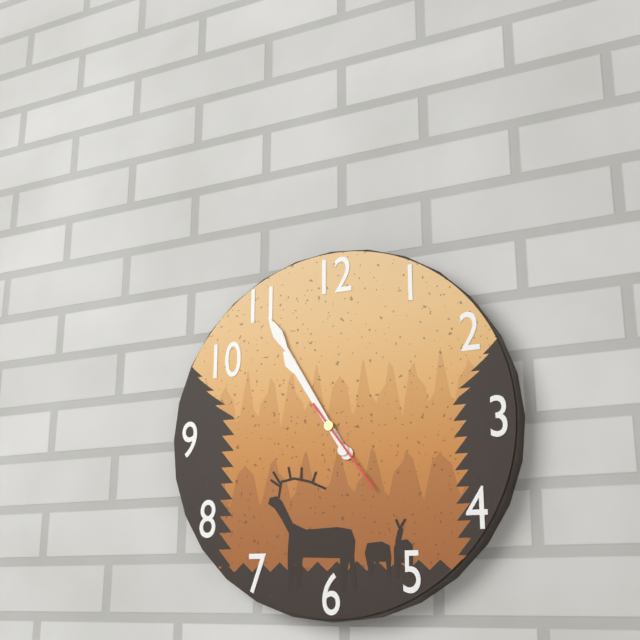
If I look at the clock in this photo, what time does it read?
10:55:24
